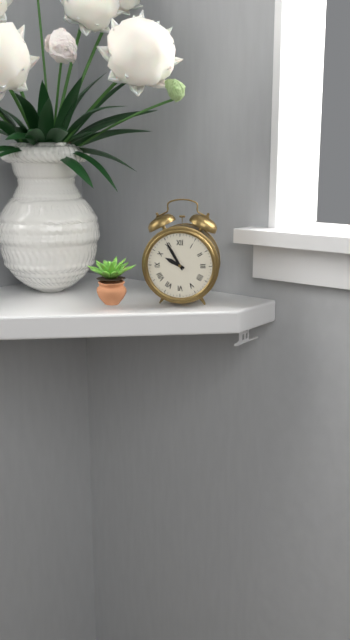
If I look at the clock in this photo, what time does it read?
9:55
